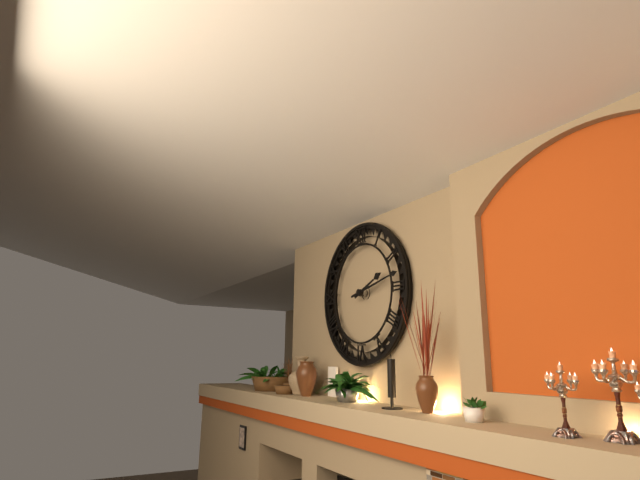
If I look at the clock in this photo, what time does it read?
2:13
